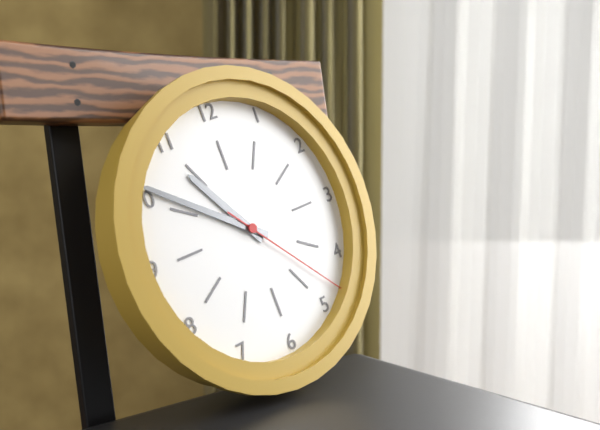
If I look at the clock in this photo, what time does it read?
10:51:23
